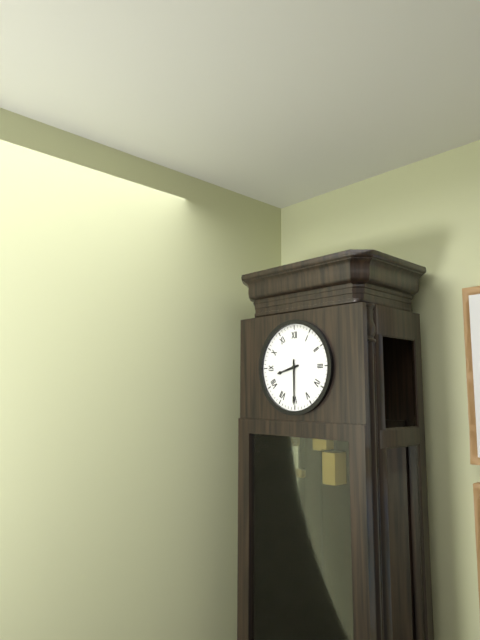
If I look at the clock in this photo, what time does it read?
8:30
